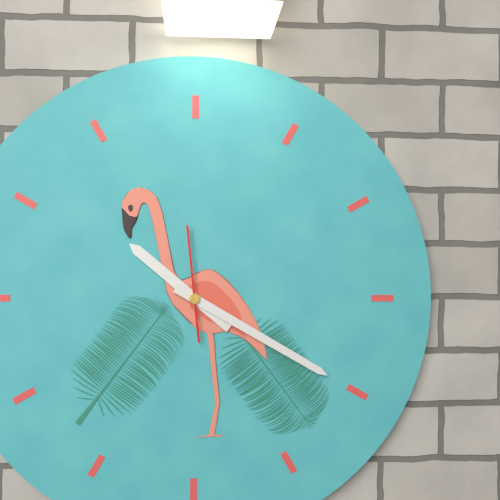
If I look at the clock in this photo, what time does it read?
10:20:59
